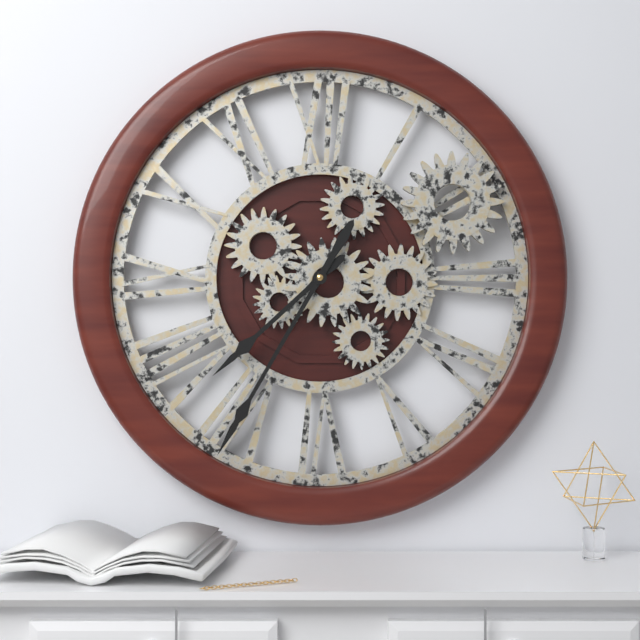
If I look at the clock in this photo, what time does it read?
7:35
